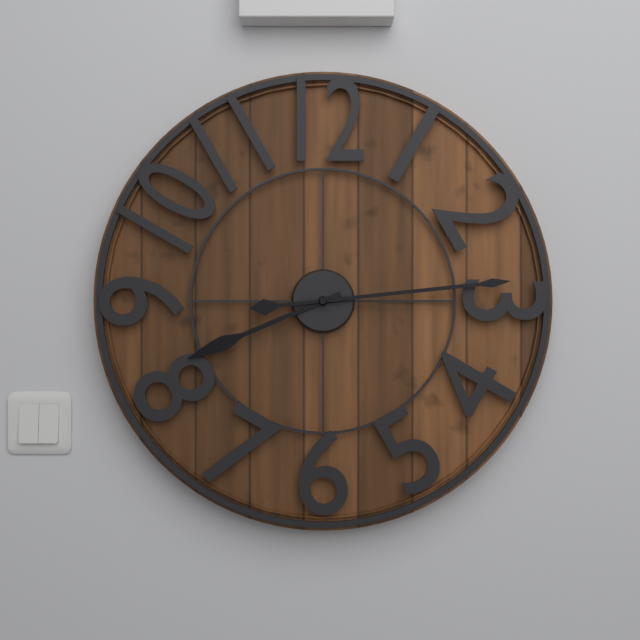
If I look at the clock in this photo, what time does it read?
8:14
